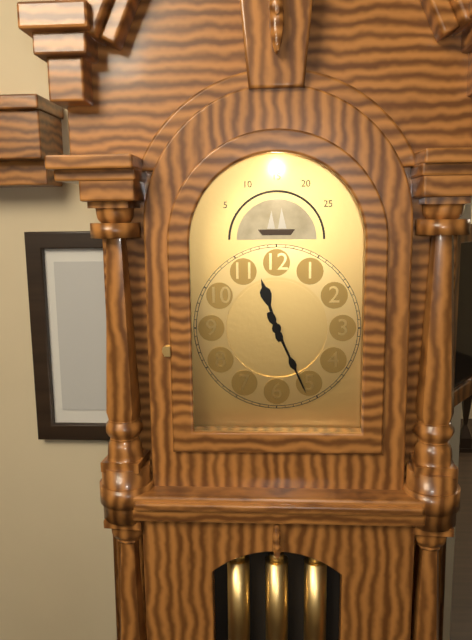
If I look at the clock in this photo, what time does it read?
11:26
